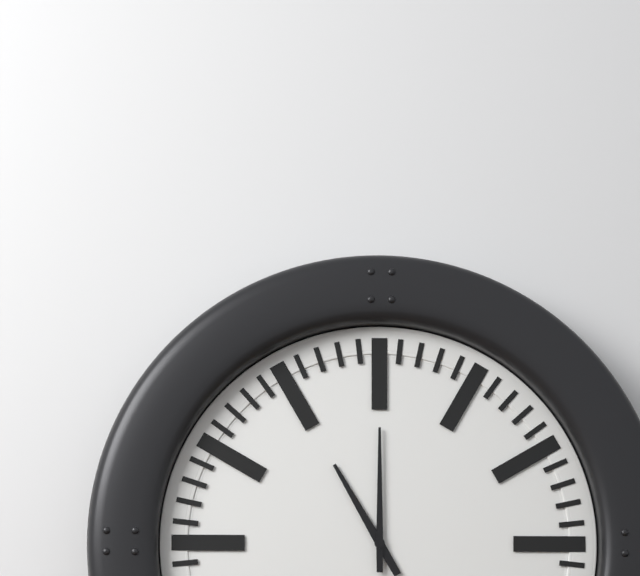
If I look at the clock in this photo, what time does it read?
11:00
